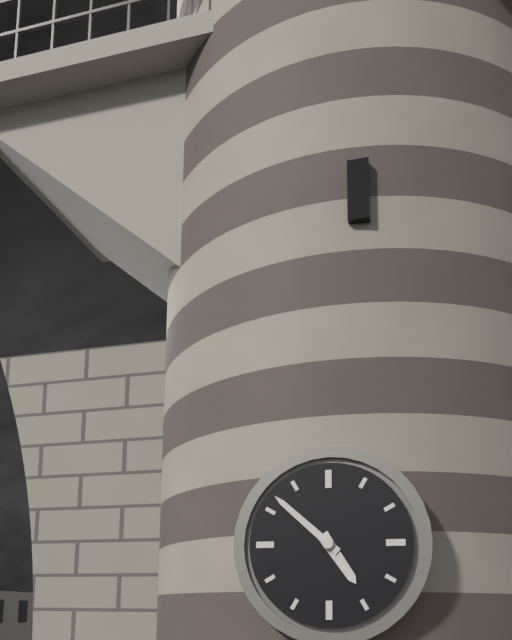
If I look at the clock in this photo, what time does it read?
4:52
